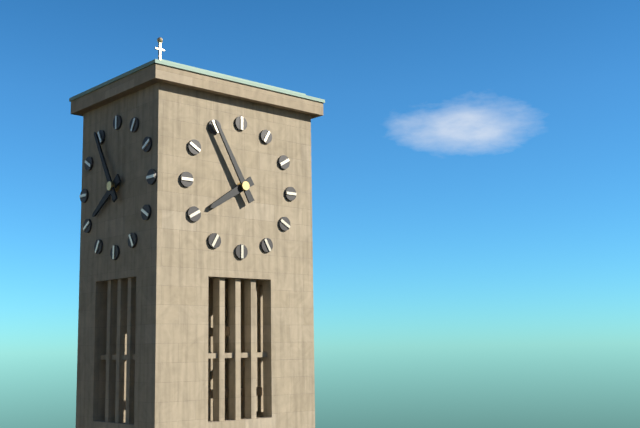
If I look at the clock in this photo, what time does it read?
7:55
